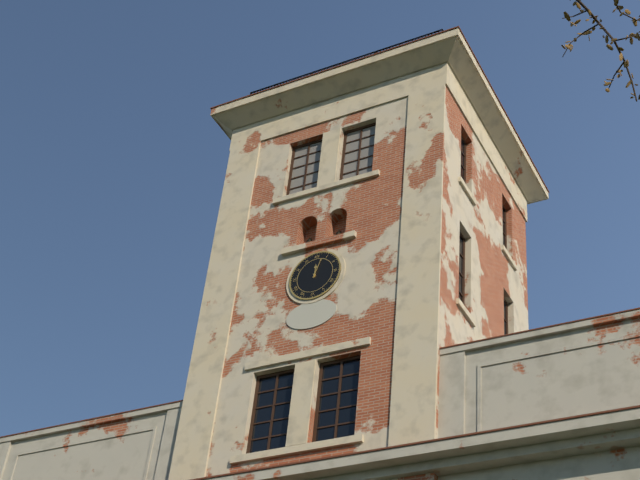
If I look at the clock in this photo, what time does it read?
12:03
